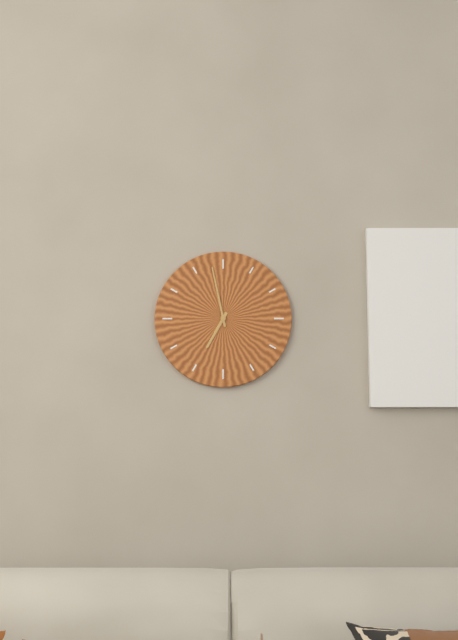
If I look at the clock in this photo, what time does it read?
6:58
